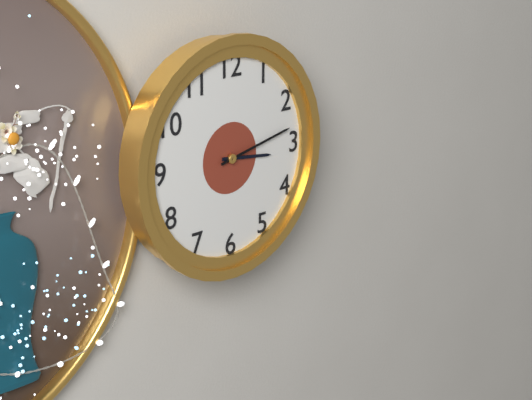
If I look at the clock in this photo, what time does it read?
3:13
